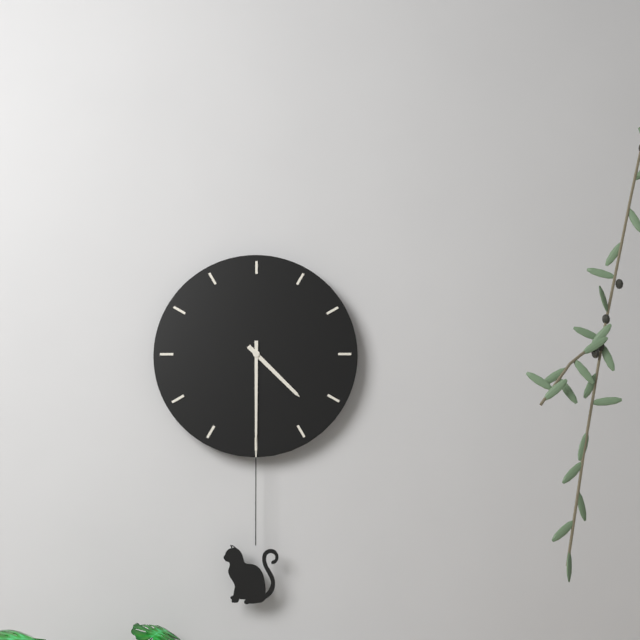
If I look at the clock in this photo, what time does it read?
4:30
